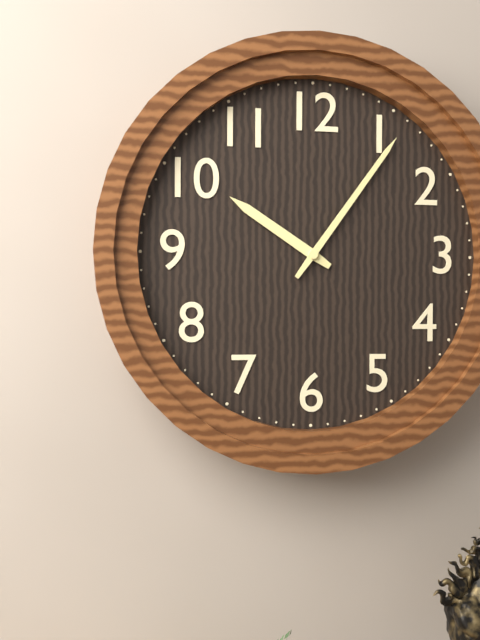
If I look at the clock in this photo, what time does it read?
10:06
